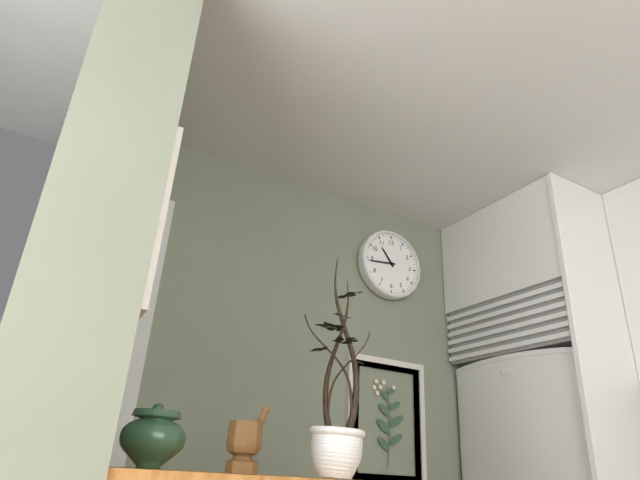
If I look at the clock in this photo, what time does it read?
10:44
